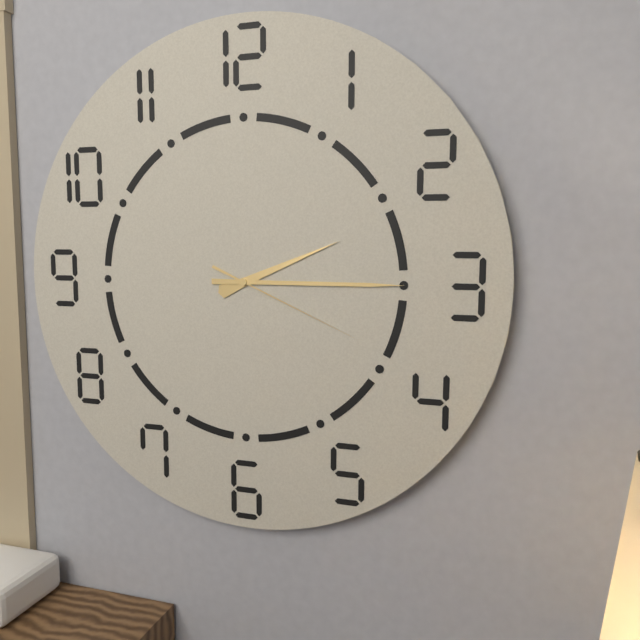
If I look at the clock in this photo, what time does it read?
2:15:19
